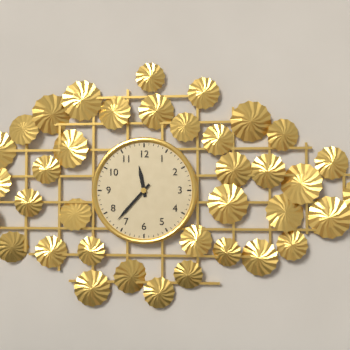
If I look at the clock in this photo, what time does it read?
11:37
